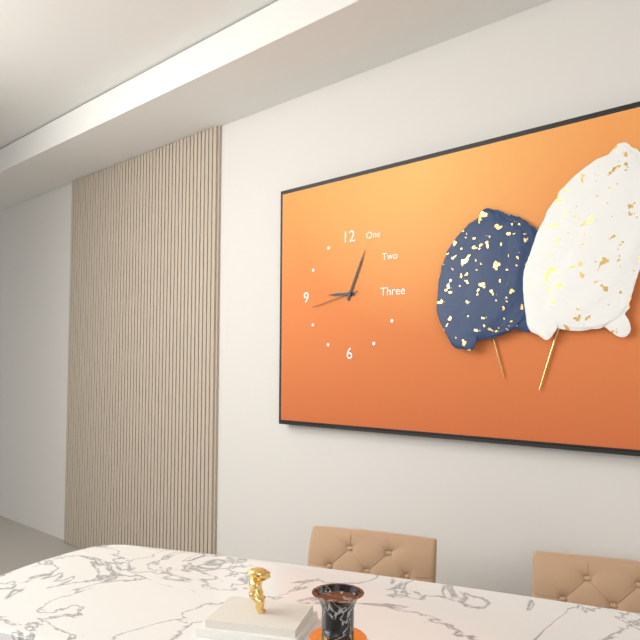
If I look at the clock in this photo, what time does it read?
9:04
